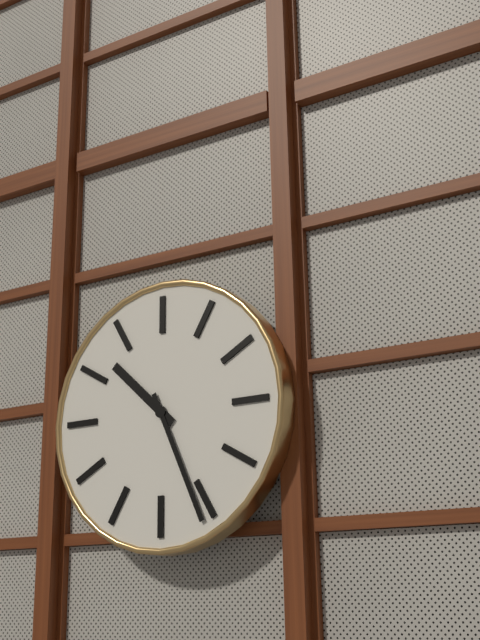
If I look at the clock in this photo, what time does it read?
10:26
